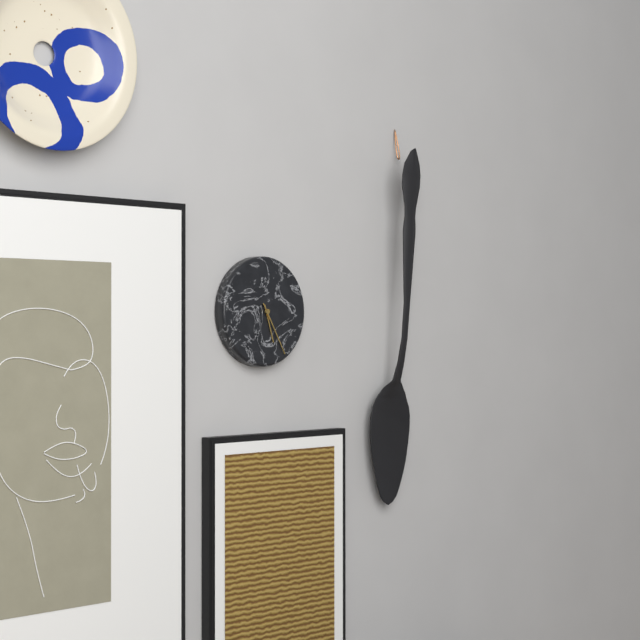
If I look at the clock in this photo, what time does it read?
5:25
